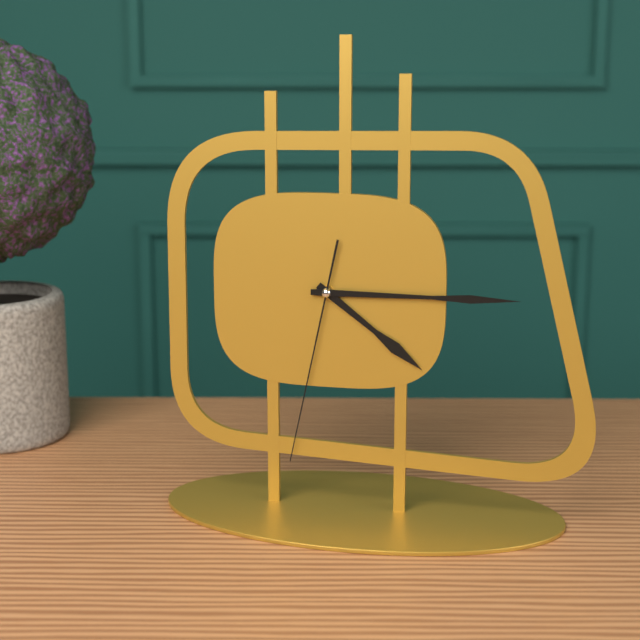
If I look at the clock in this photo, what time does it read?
4:15:32
